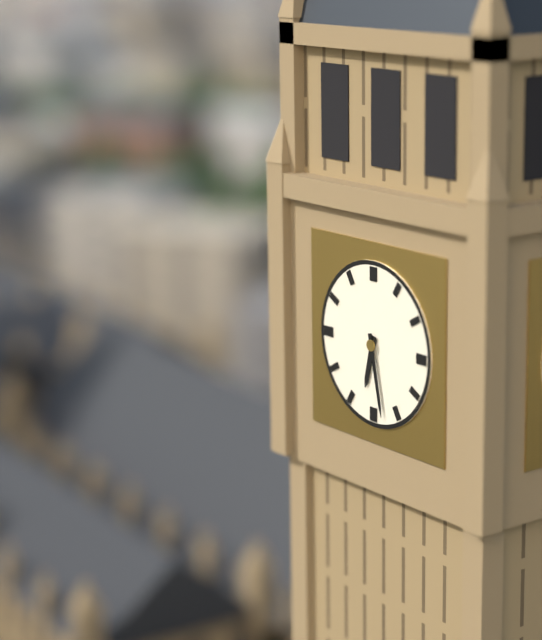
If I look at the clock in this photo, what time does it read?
6:28
